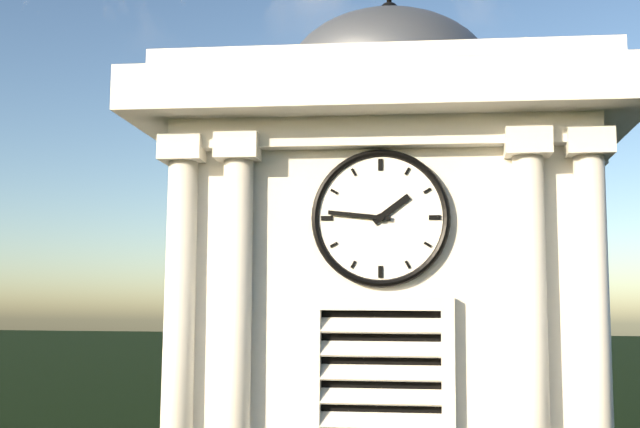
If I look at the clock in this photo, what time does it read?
1:46
